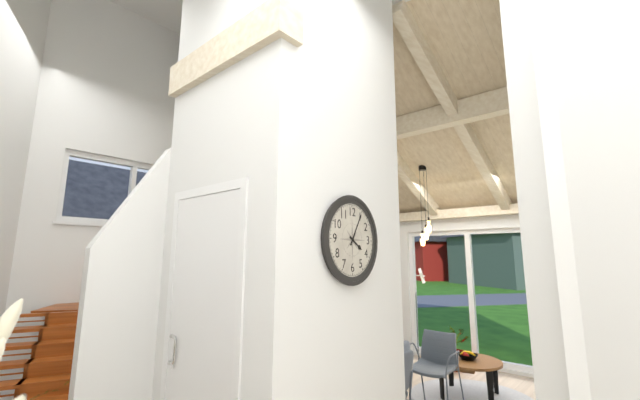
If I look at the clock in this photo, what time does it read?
4:05
